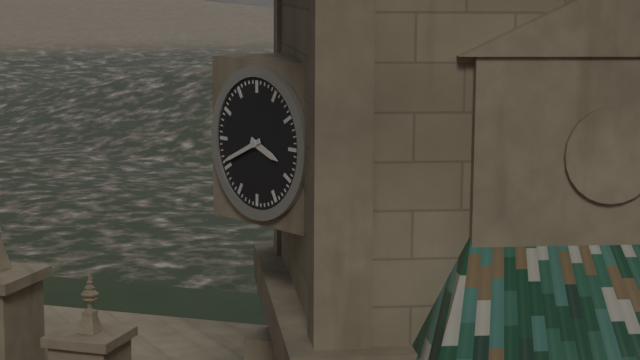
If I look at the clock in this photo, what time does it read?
3:41
